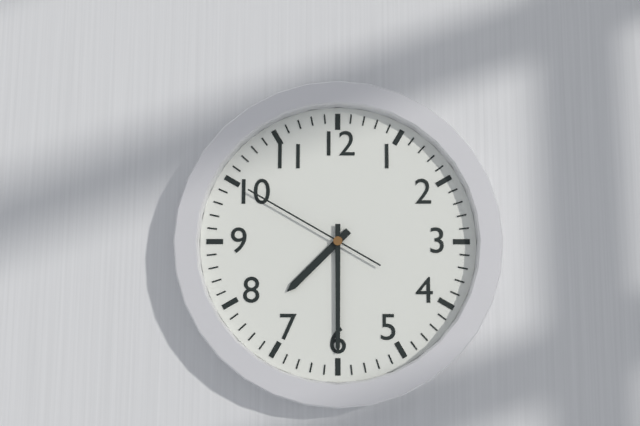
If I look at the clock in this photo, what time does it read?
7:30:50
